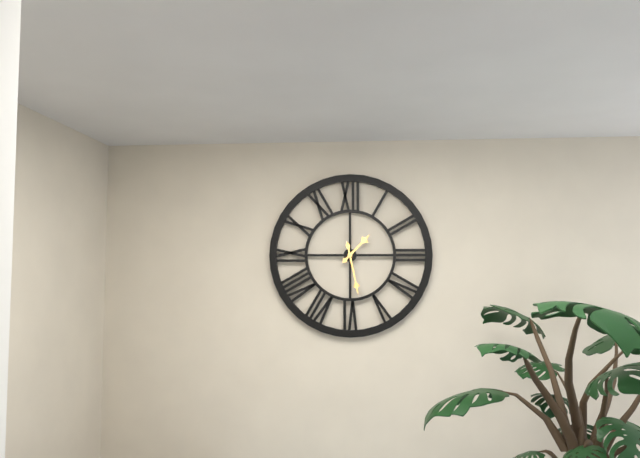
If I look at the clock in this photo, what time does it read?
1:28
